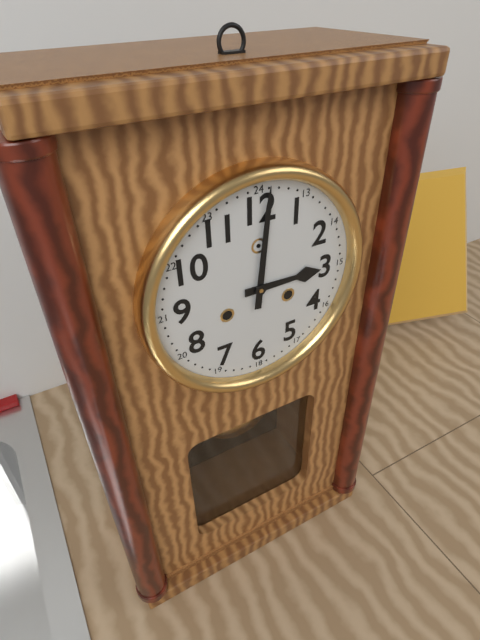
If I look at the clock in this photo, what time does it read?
3:01
